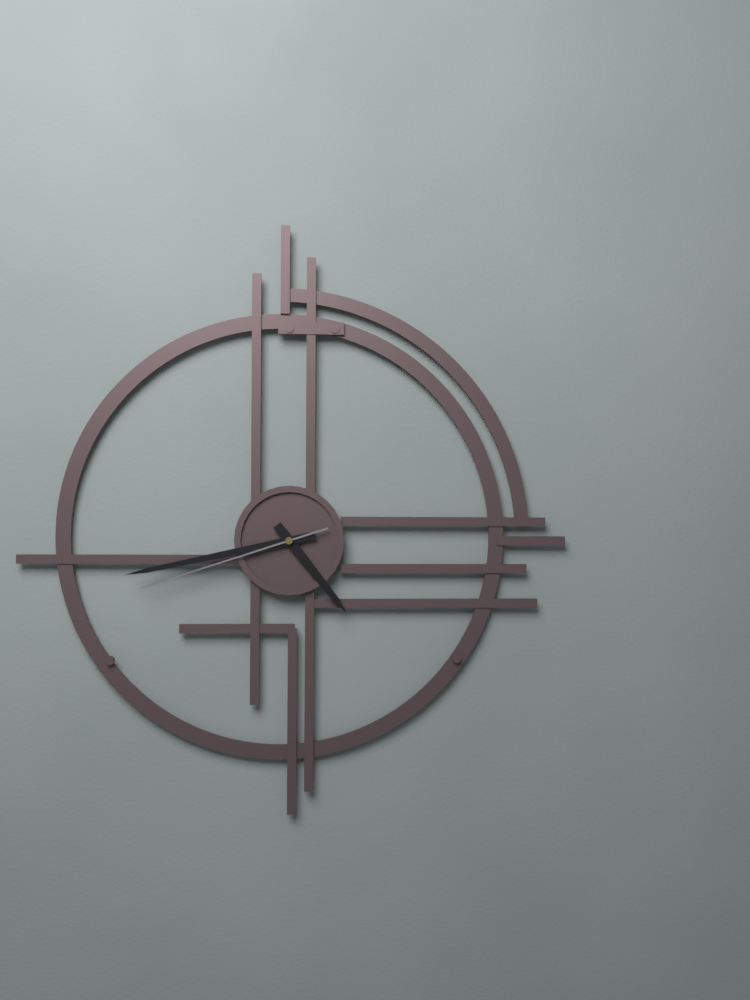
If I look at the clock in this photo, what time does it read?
4:43:42
